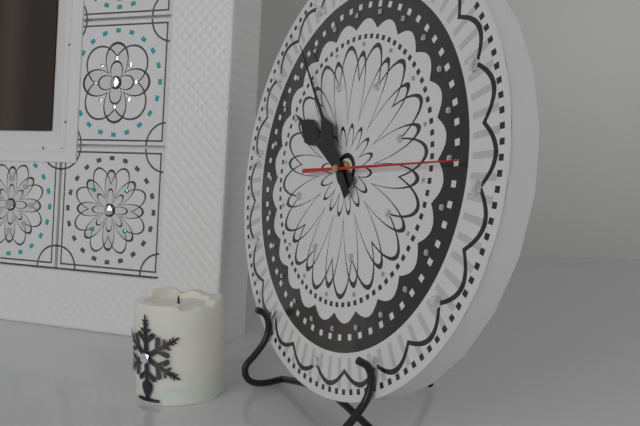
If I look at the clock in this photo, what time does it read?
9:53:14
